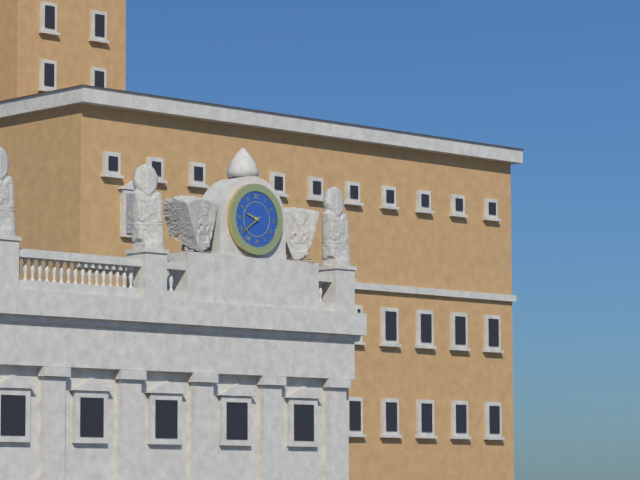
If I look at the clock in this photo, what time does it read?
9:39
